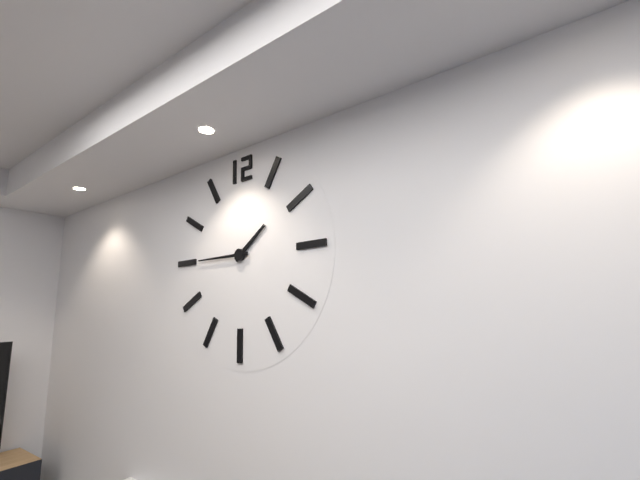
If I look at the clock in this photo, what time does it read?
1:45
